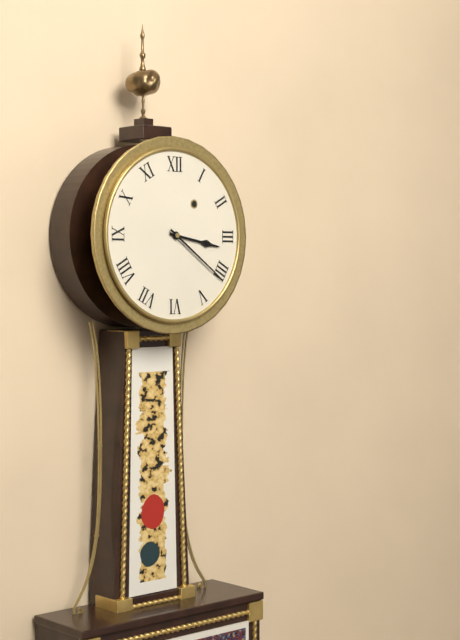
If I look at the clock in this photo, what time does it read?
3:21
